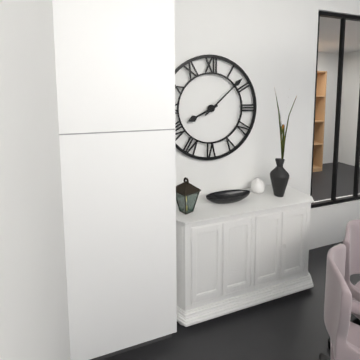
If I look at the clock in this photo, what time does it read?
8:08
